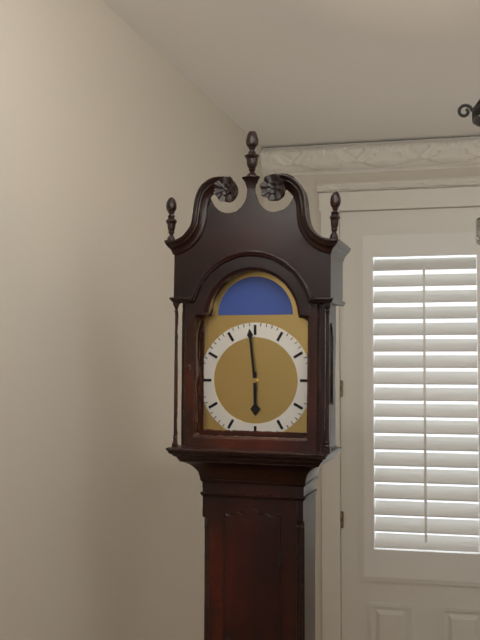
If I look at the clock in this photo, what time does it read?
5:59
